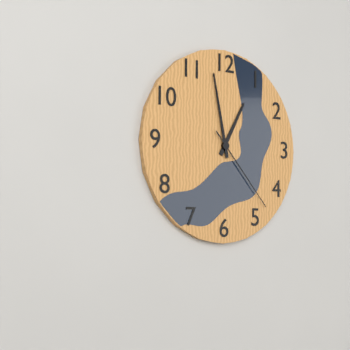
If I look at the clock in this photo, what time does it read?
12:58:23
